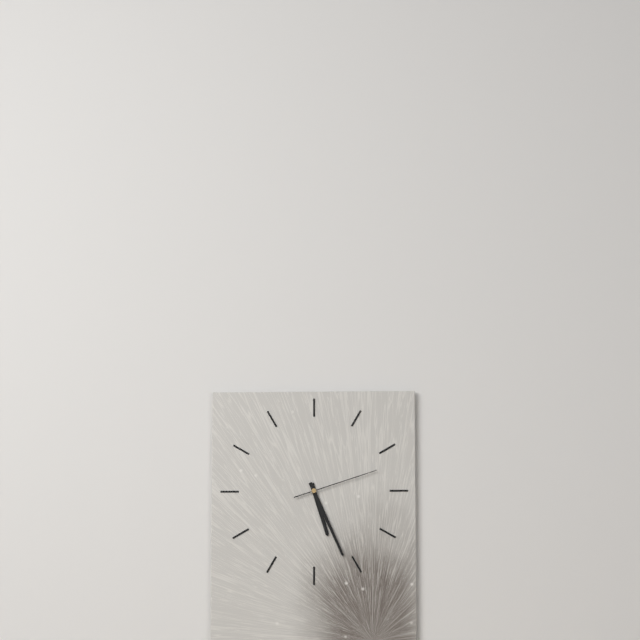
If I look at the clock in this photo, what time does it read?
5:26:12
